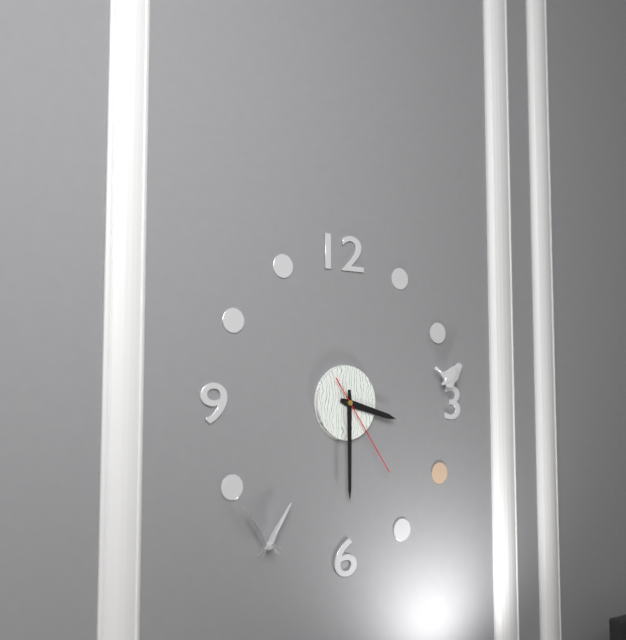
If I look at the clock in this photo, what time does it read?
3:30:24
